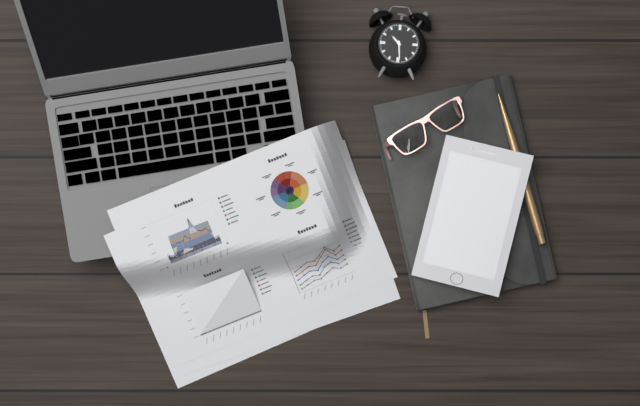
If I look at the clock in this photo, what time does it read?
10:29
